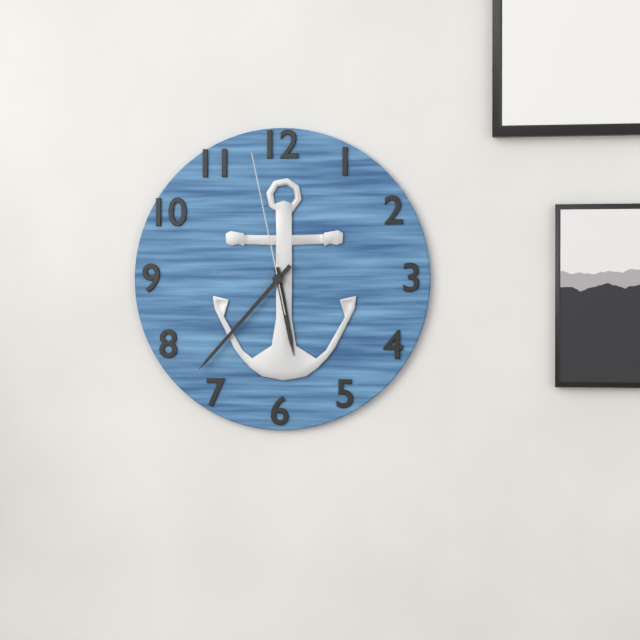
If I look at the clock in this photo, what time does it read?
5:37:58
